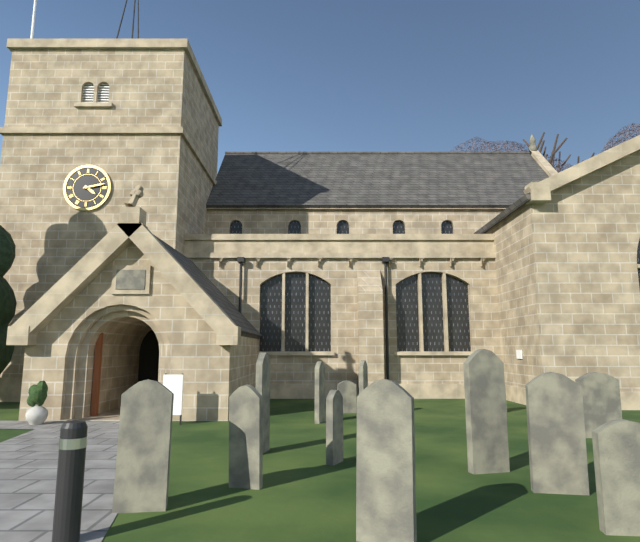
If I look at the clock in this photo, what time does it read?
4:13
